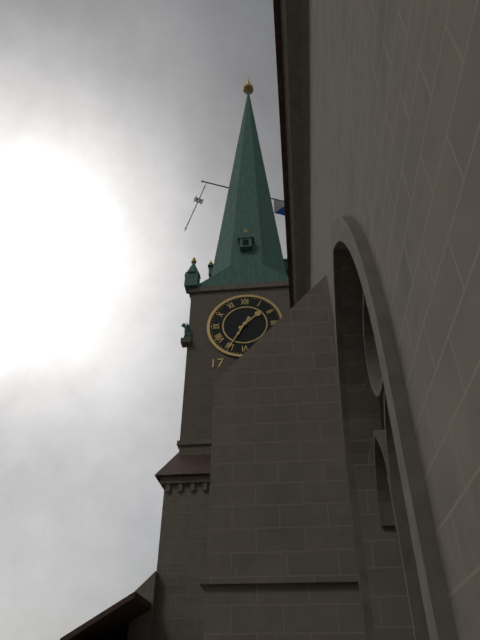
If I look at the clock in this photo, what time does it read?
1:35
